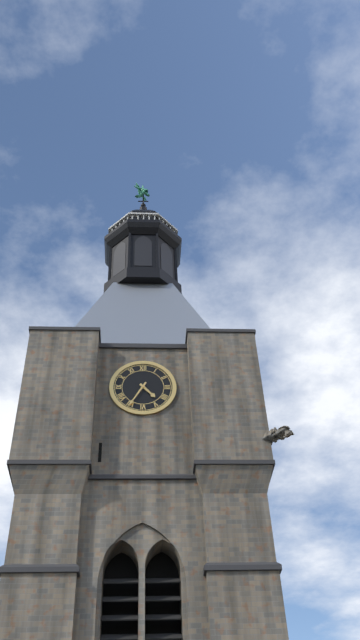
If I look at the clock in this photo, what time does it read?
4:35
